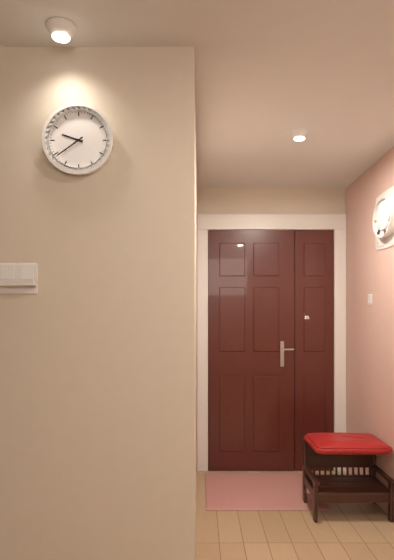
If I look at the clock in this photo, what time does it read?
9:39
